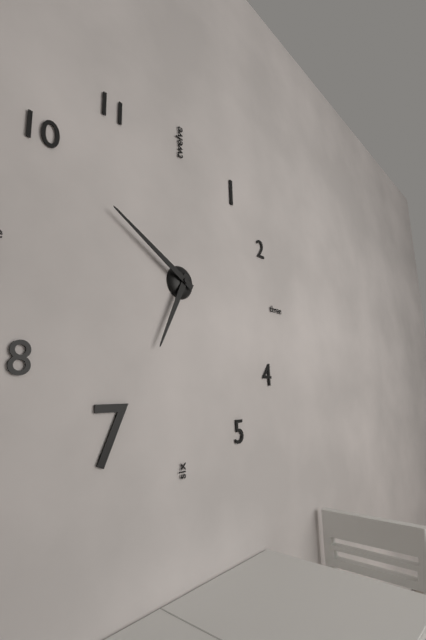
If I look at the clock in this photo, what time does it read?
6:50
